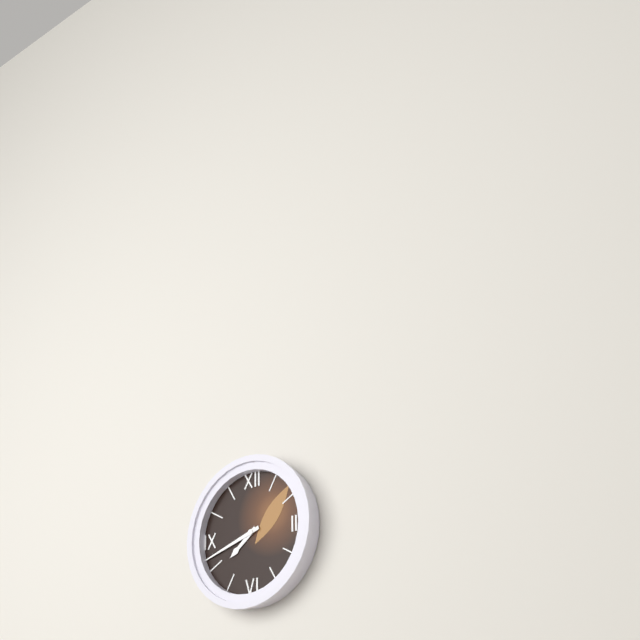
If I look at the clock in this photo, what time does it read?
7:42
